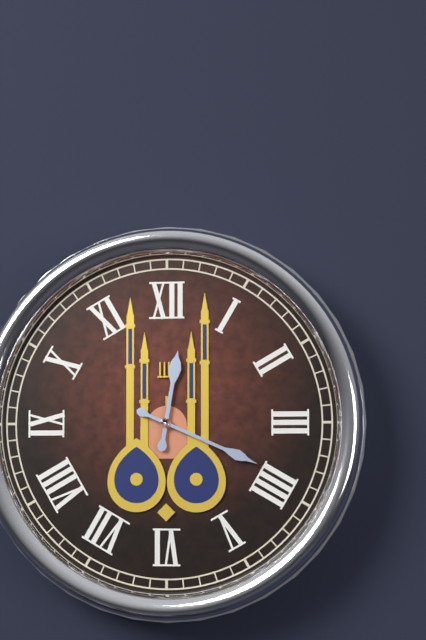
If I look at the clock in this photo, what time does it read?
12:19
